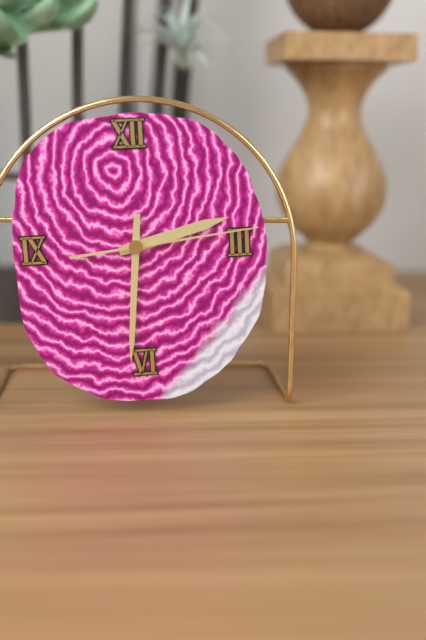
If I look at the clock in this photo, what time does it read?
2:31:14
